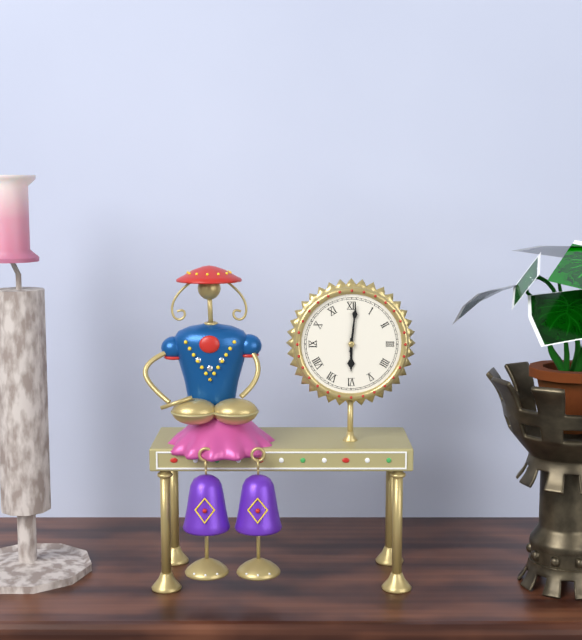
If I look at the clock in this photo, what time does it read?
6:01
